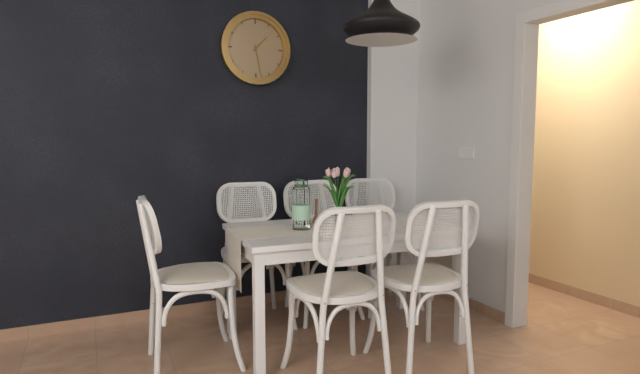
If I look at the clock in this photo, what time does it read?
1:28
